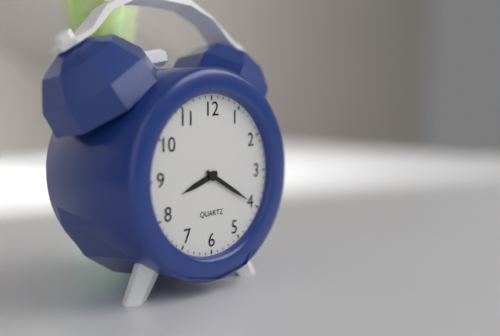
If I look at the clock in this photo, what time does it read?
8:20
